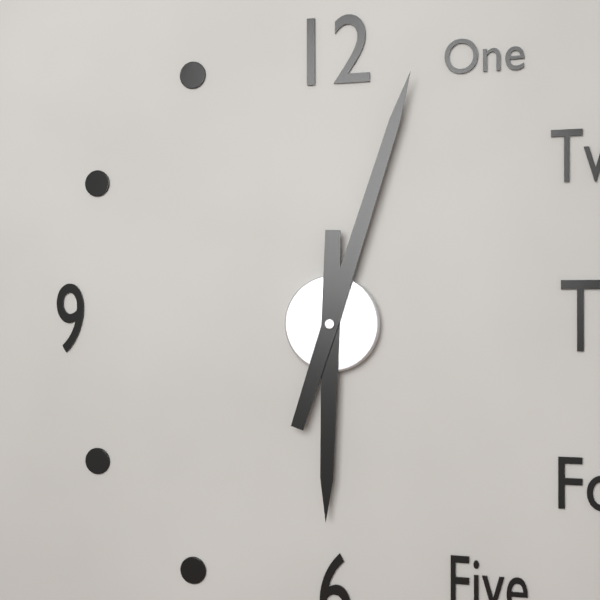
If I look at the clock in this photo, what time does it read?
6:03
